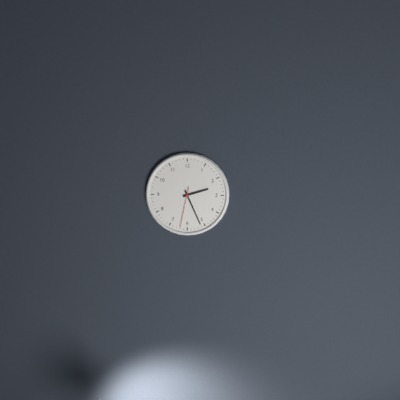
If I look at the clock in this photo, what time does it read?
2:26
